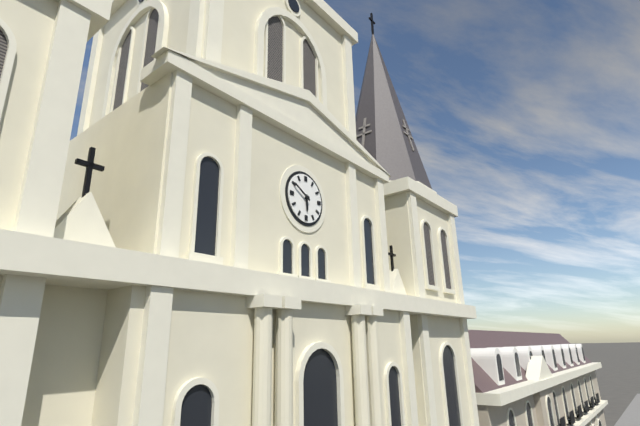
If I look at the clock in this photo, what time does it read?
5:50
